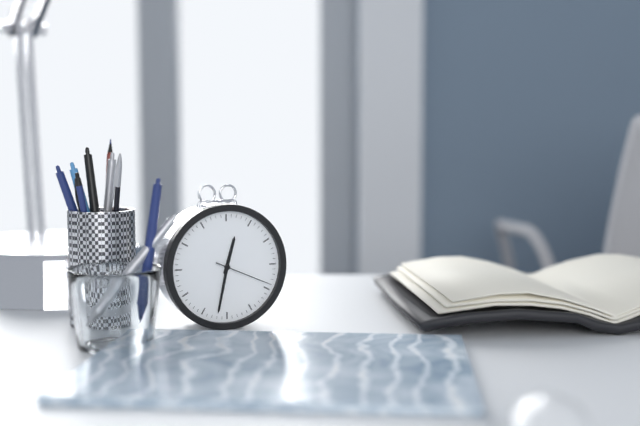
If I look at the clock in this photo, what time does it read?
12:32:19
